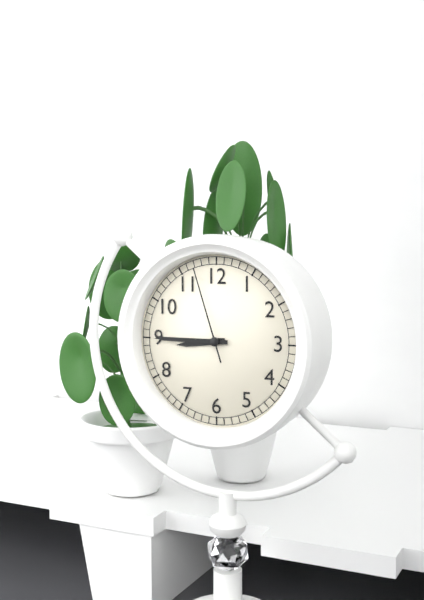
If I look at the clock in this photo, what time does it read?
8:45:57
